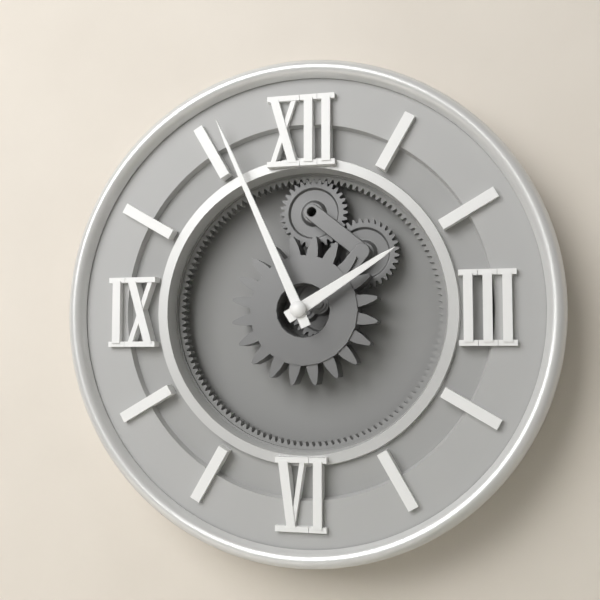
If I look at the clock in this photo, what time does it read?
1:56
